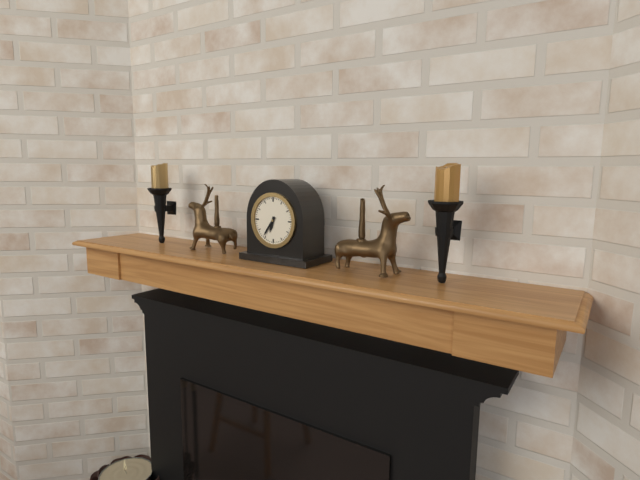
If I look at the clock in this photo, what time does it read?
6:36
